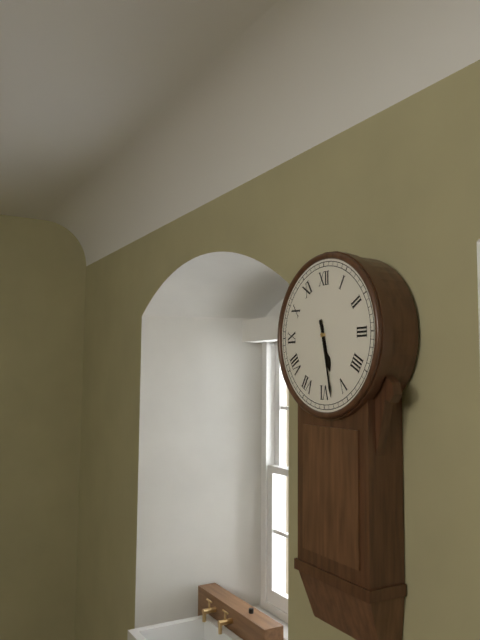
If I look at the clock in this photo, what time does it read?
5:28
